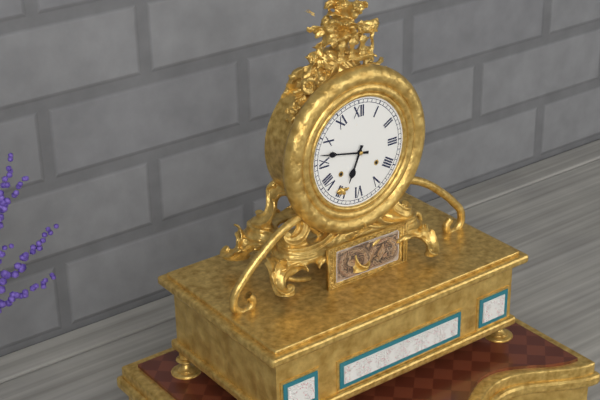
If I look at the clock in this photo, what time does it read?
6:47
